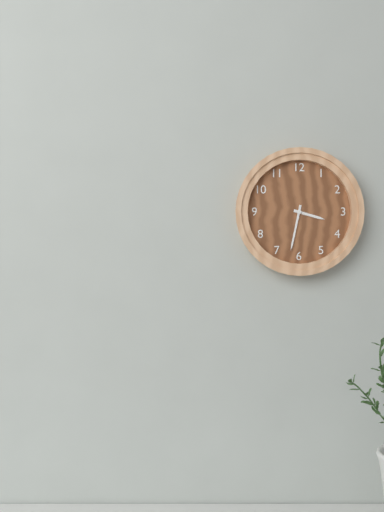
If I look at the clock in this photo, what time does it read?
3:32
